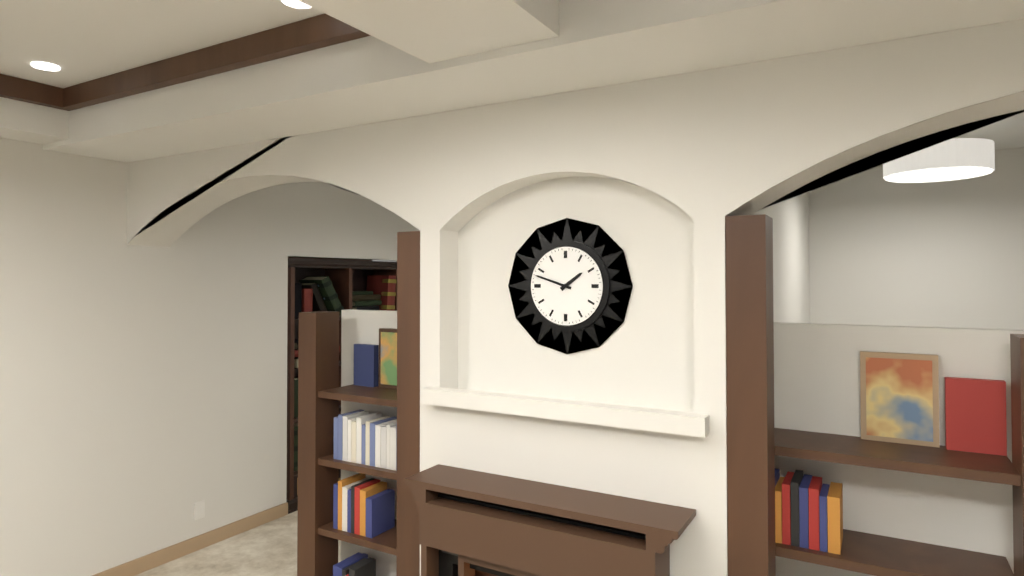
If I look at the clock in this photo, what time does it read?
1:48
